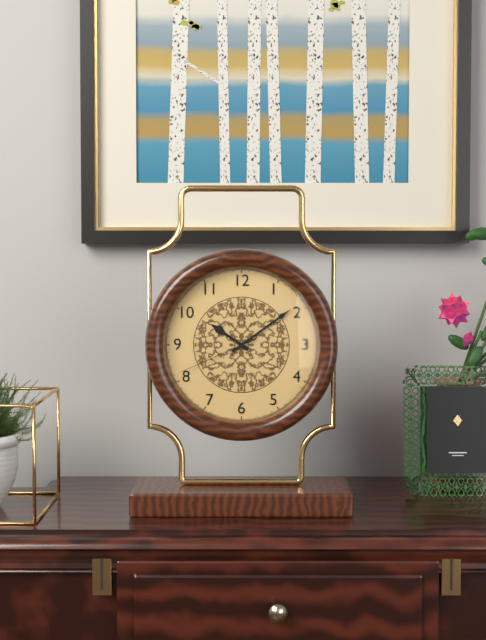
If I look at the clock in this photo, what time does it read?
10:09:41
